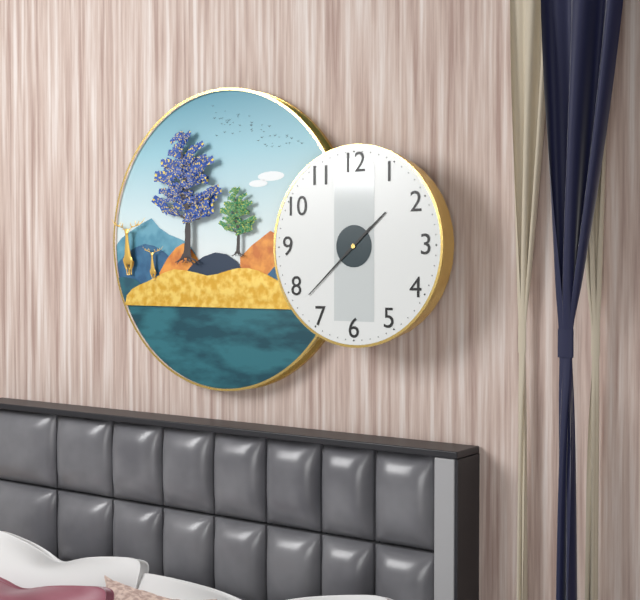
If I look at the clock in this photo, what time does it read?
1:38
